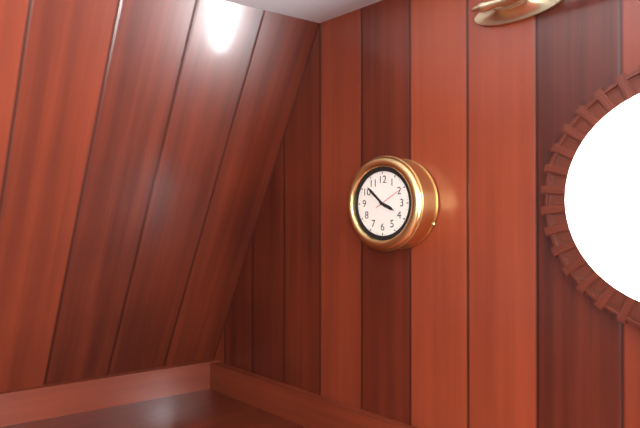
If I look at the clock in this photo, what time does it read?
3:52
